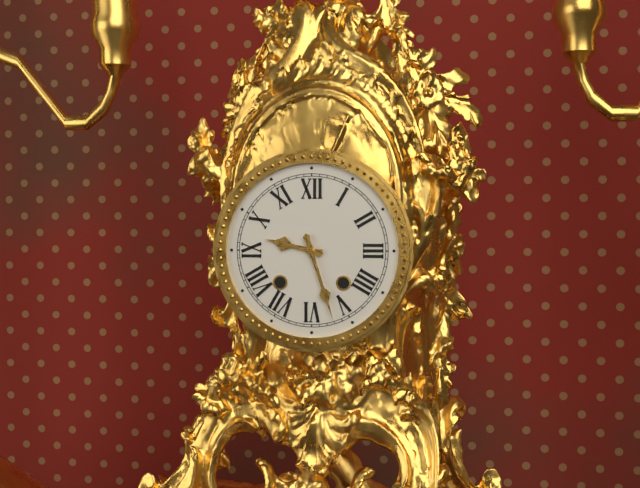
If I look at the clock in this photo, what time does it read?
9:27
